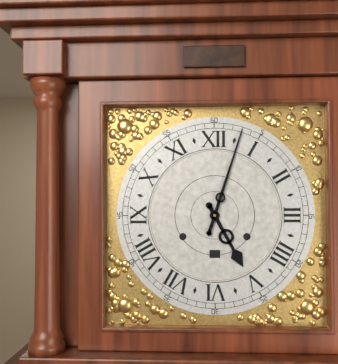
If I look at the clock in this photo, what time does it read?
5:03
